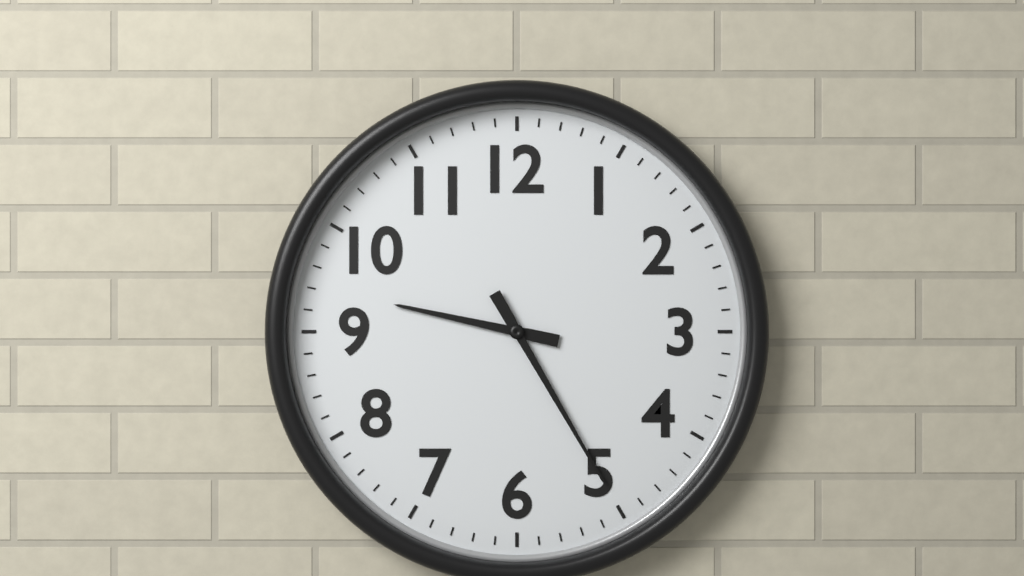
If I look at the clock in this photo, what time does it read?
9:25
